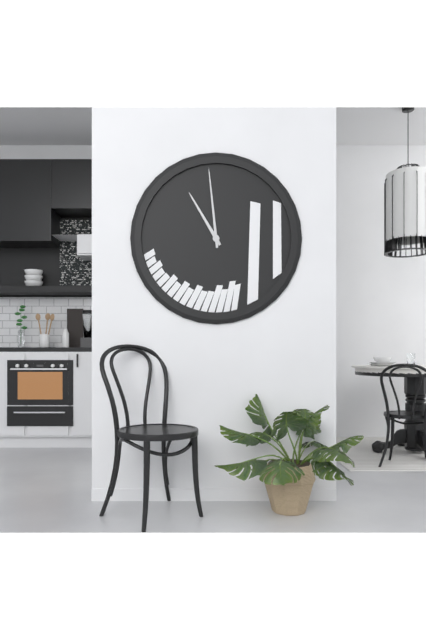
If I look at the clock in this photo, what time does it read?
10:59
